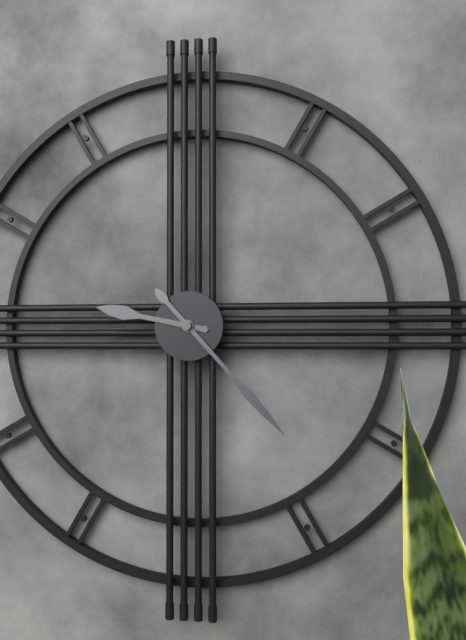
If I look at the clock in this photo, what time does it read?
9:23
